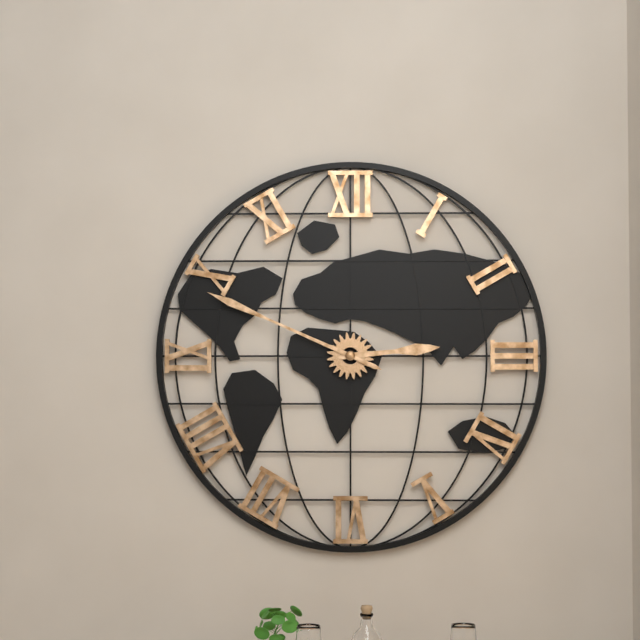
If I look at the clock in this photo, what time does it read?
2:49
